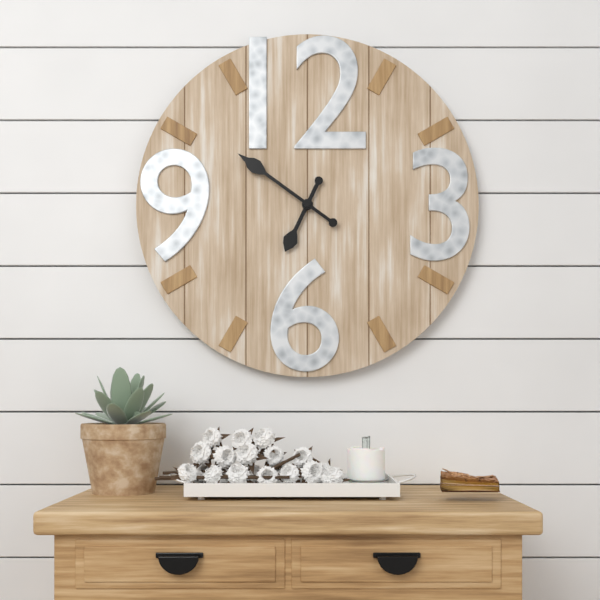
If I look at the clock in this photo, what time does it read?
6:51
